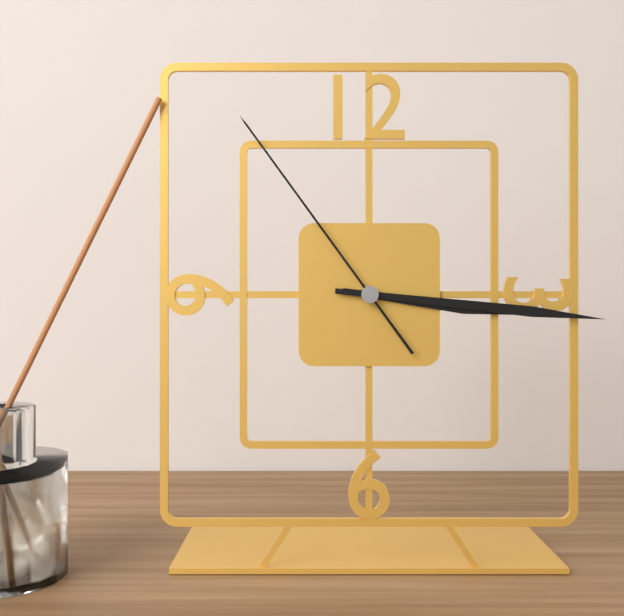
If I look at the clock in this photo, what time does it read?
3:16:54
